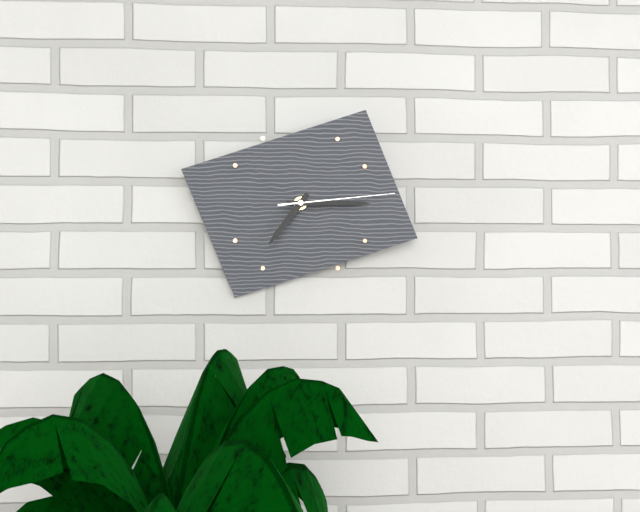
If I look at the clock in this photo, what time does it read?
7:15:14
